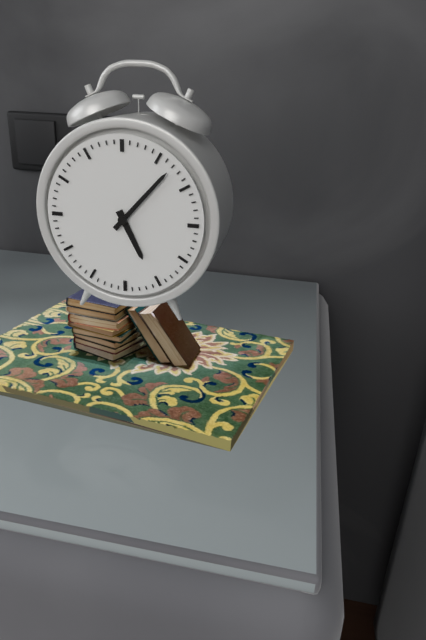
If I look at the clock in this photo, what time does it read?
5:07
